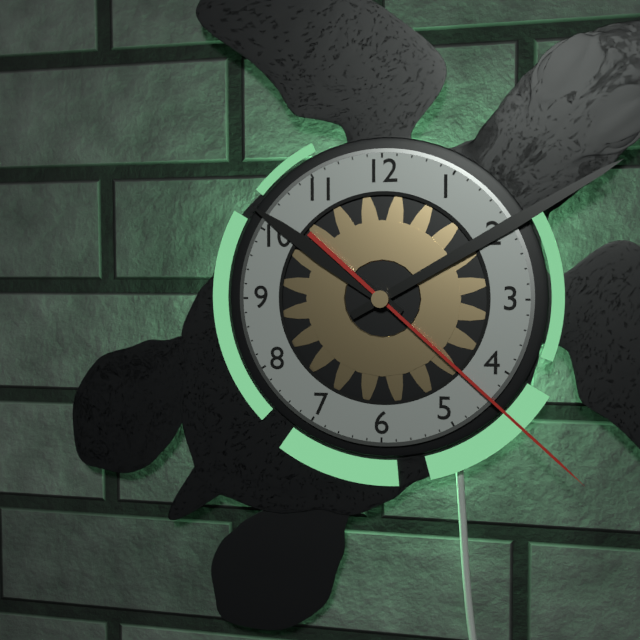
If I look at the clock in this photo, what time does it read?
10:10:22
